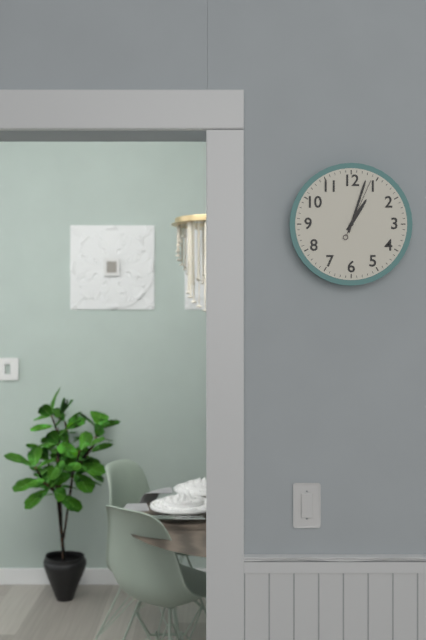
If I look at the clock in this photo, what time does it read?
1:03:04
